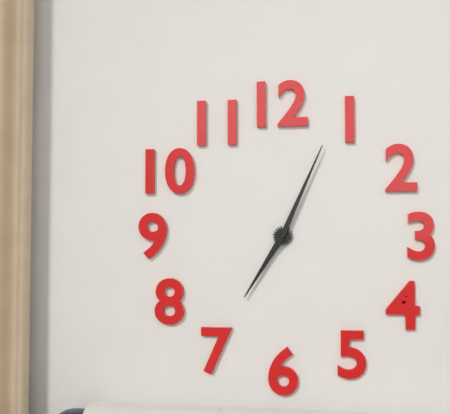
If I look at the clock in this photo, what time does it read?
7:04
